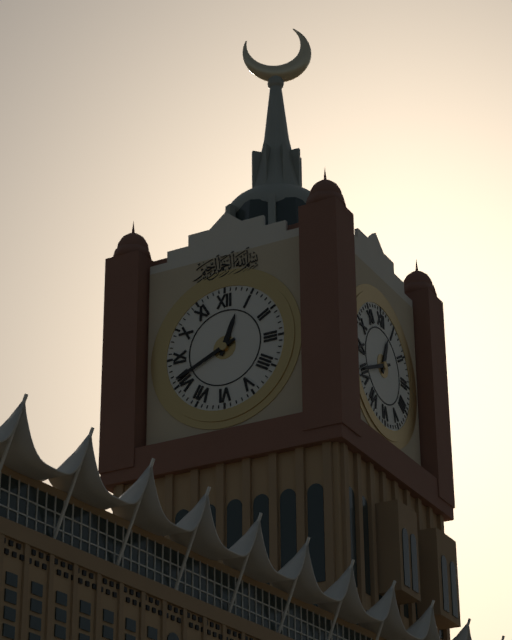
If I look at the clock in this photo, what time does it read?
12:41
